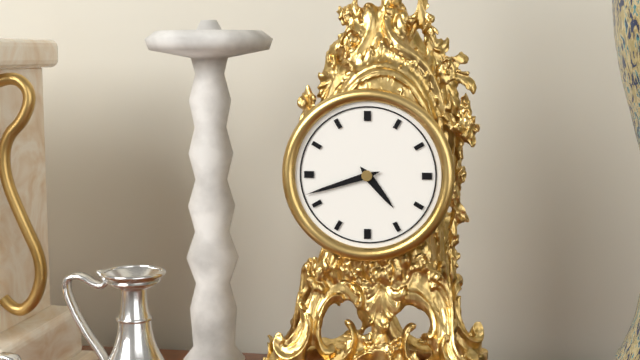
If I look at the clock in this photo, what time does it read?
4:42
